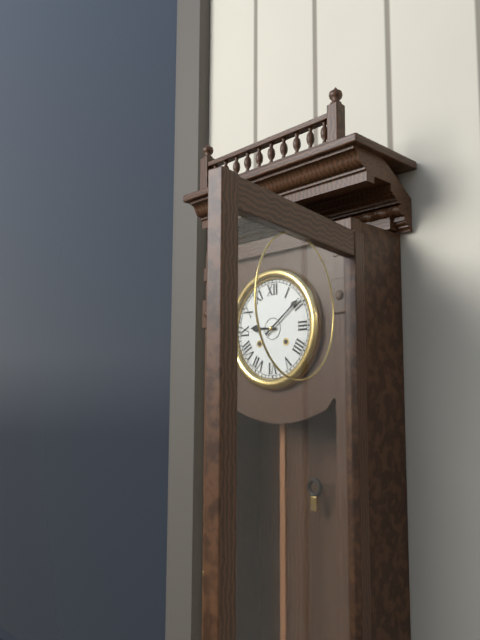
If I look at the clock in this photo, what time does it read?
9:09
